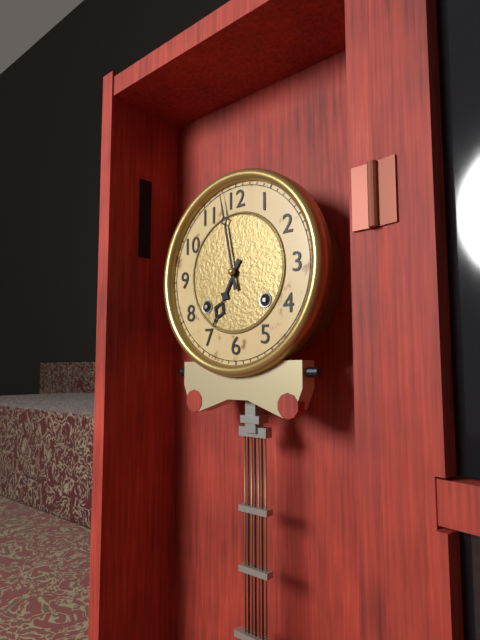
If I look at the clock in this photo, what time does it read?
6:58
